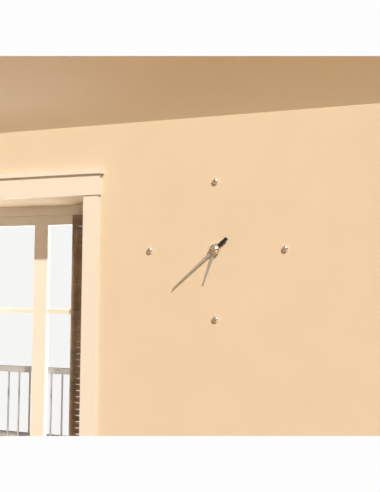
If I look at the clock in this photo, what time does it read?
6:38
